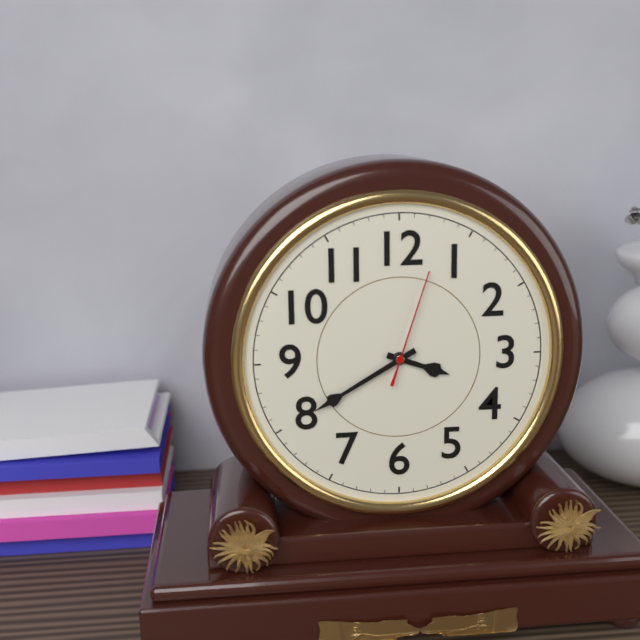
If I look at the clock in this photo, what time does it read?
3:40:03
